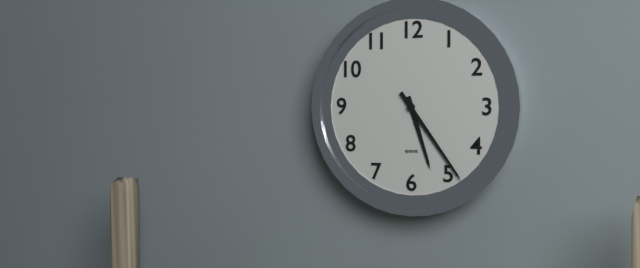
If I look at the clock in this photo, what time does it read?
5:24
